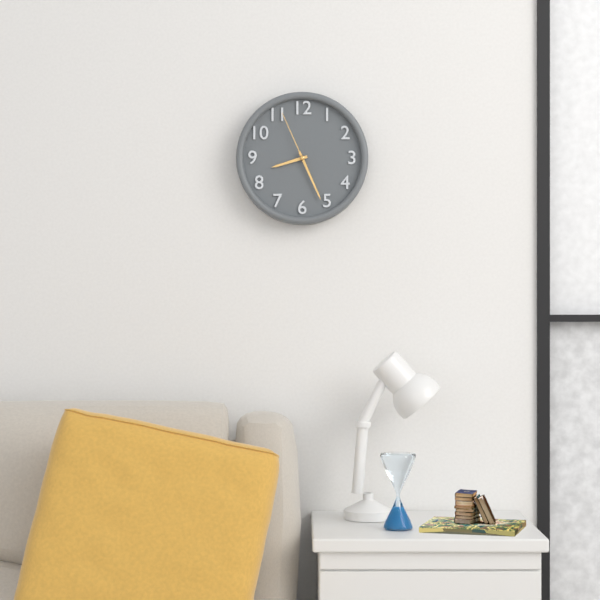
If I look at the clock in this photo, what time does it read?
8:26:56
